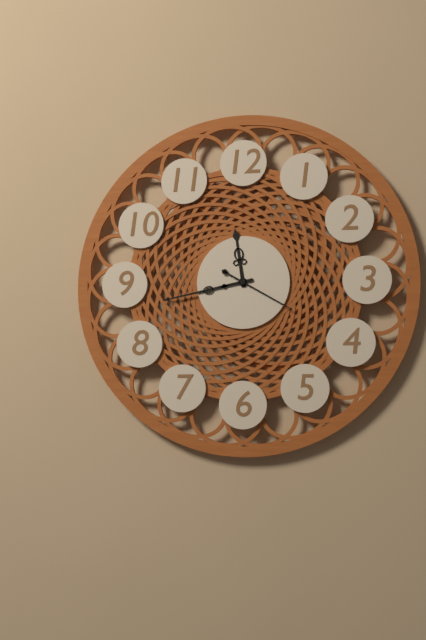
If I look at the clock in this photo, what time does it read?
11:43:20
